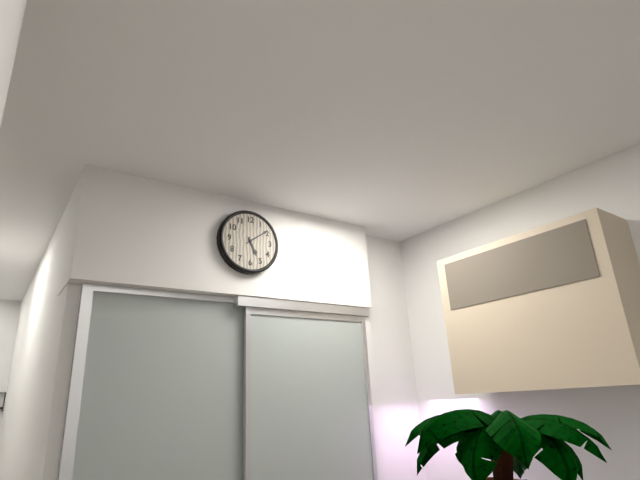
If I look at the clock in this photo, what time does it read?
5:09
